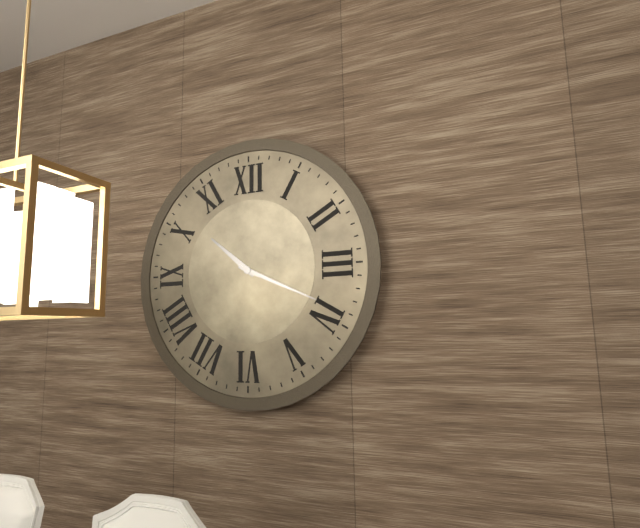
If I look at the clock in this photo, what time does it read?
10:19
